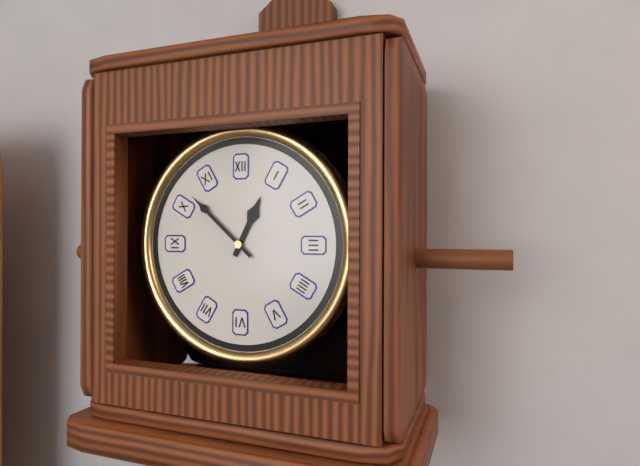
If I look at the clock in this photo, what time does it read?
12:52
